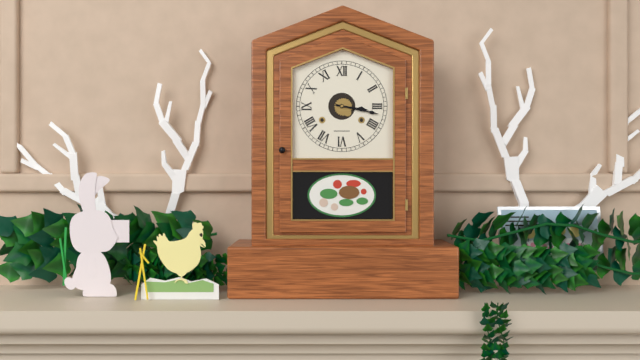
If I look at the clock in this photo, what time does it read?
3:17
